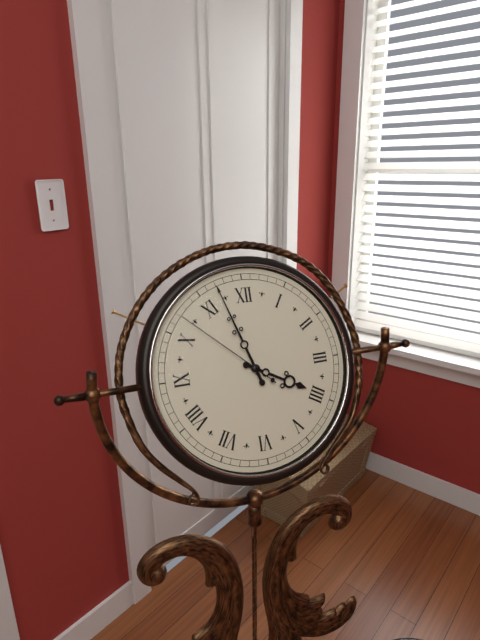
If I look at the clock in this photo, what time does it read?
3:57:52
